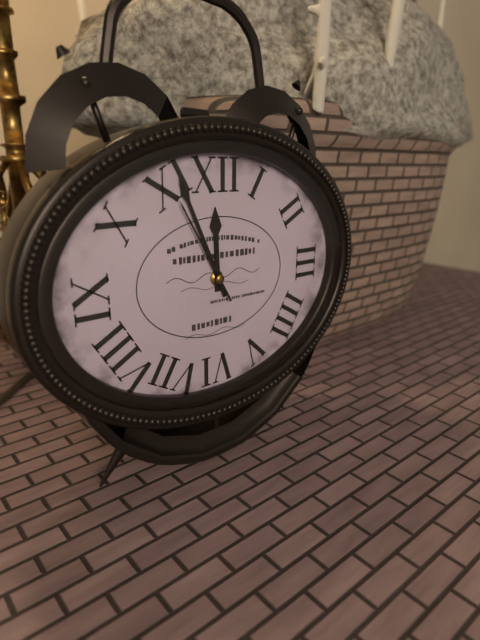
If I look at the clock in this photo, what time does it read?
11:56:55
